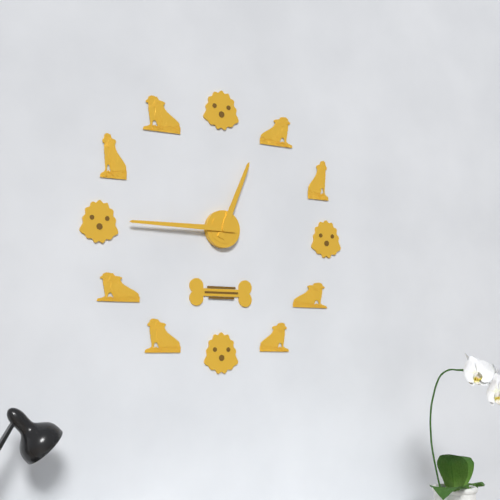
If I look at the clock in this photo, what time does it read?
12:45
